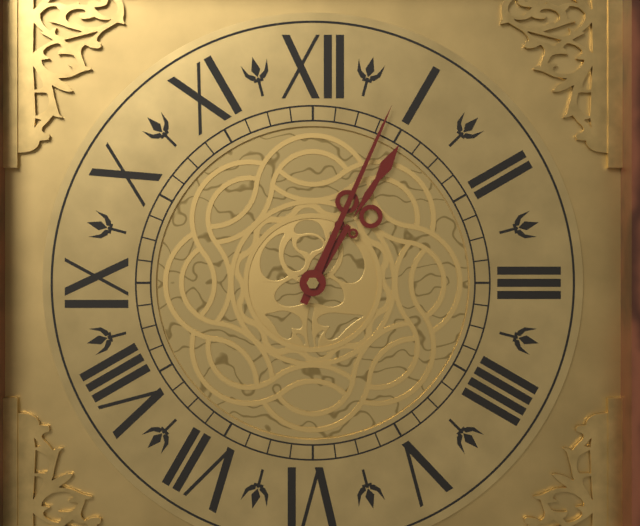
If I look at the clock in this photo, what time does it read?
1:04
